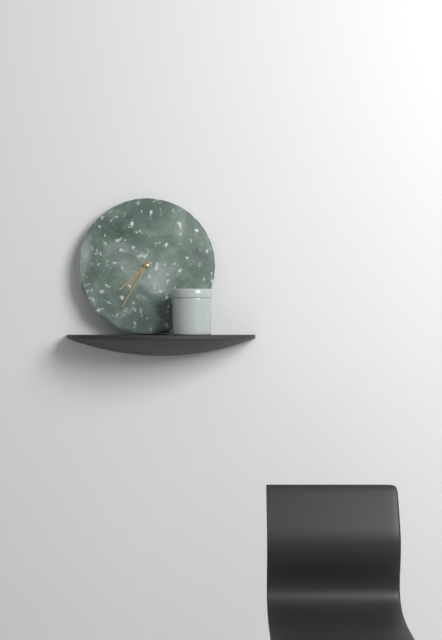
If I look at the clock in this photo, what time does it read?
7:35
